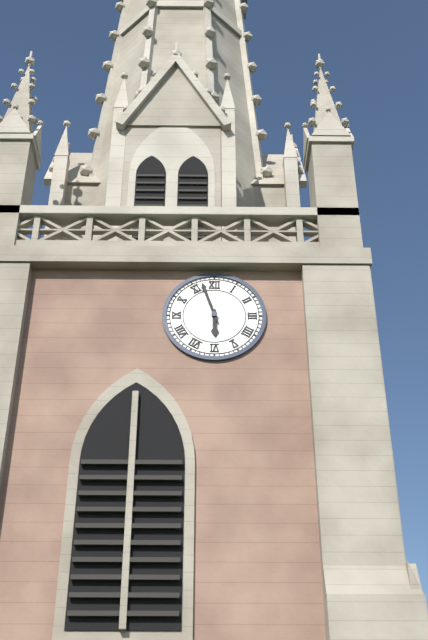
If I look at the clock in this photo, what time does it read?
5:57
